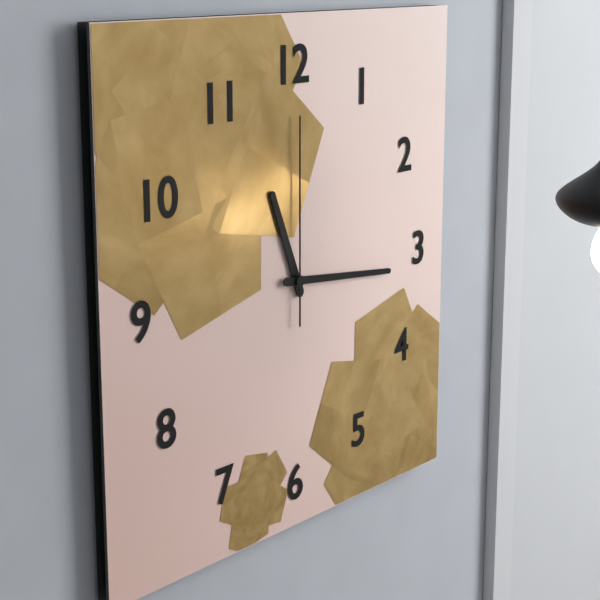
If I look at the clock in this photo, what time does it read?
11:16:00
